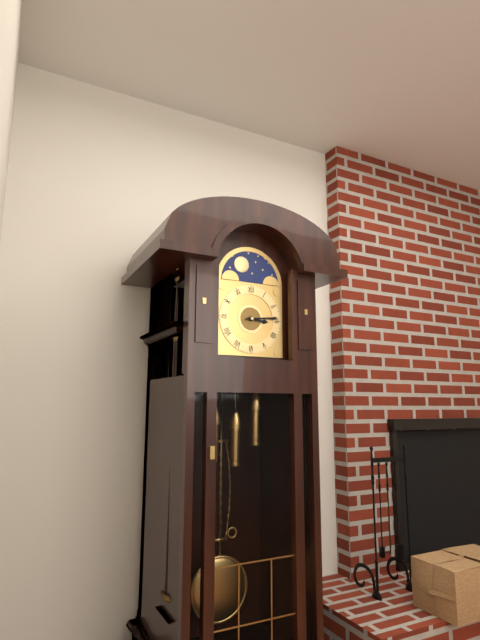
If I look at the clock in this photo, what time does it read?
3:14
